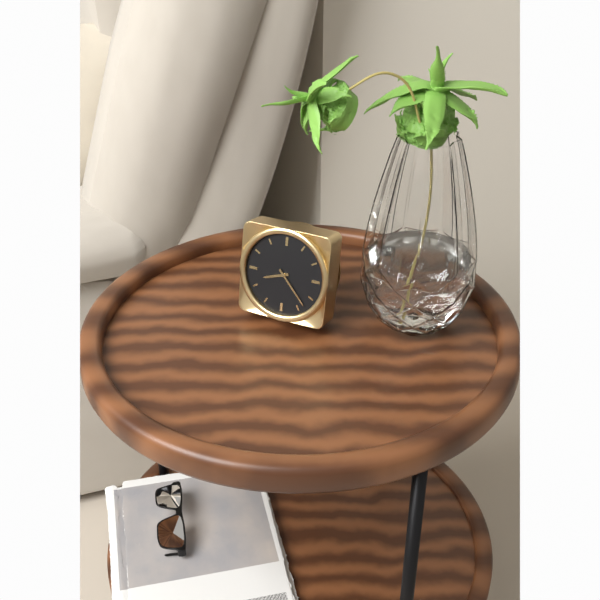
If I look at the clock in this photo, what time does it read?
8:23
